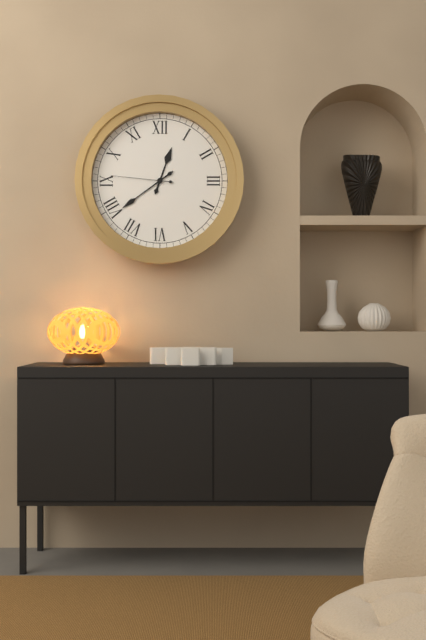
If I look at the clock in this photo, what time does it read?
12:39:46
